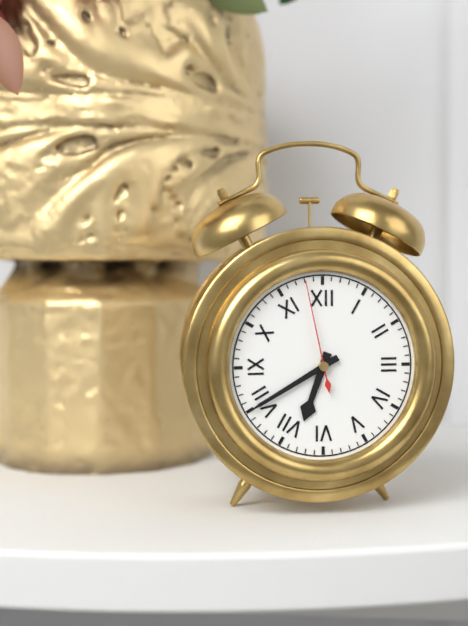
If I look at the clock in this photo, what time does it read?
6:40:58
